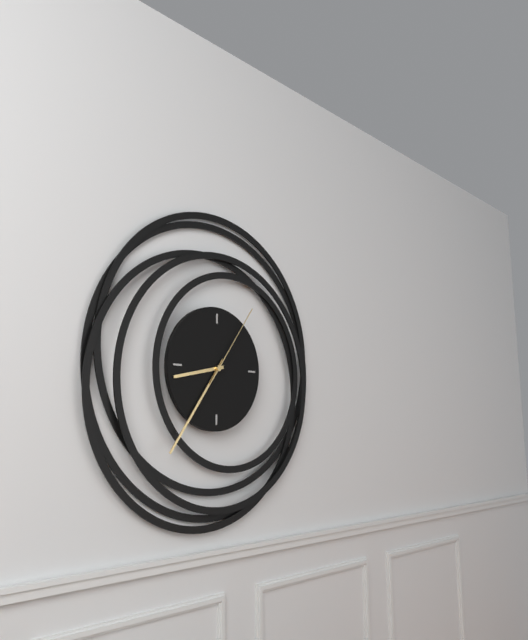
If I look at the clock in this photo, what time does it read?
8:36:06
